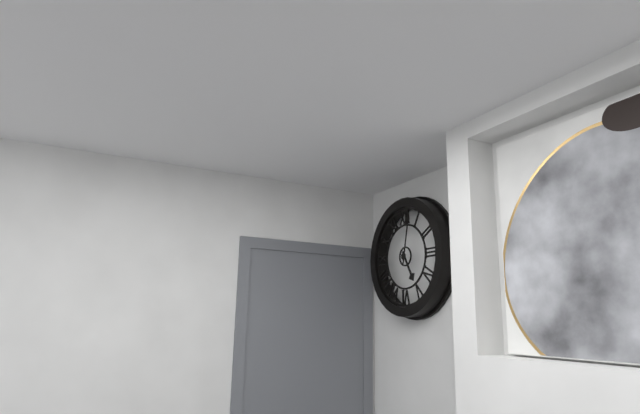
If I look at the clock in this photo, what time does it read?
5:02
